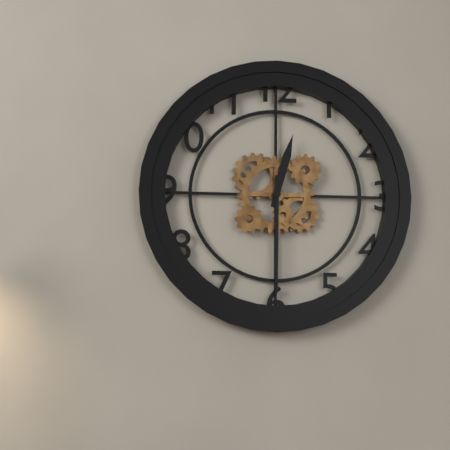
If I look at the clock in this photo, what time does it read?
12:30
